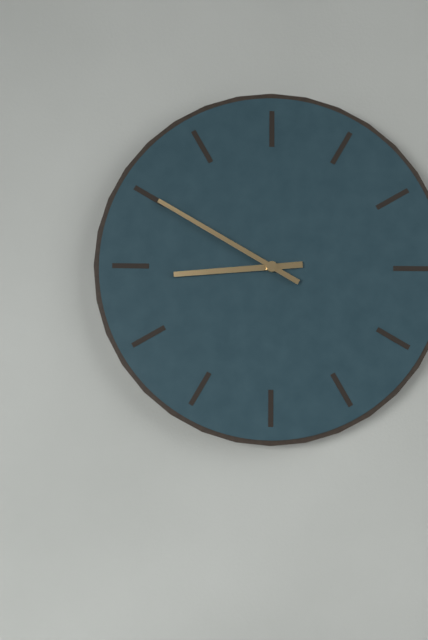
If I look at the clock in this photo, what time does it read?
8:50
